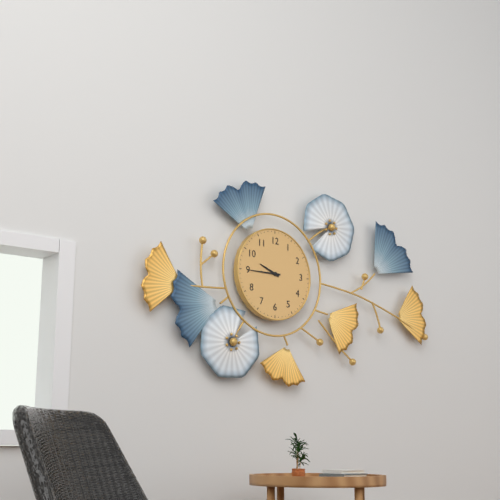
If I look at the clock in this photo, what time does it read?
9:45
